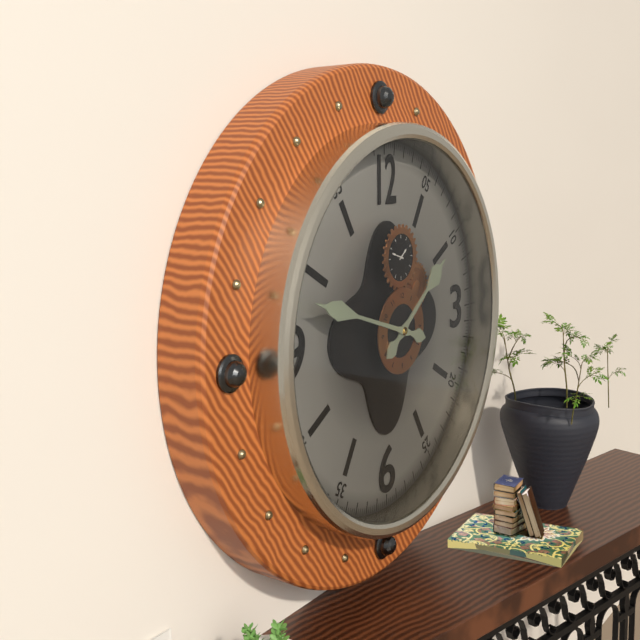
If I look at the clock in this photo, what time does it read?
1:48
